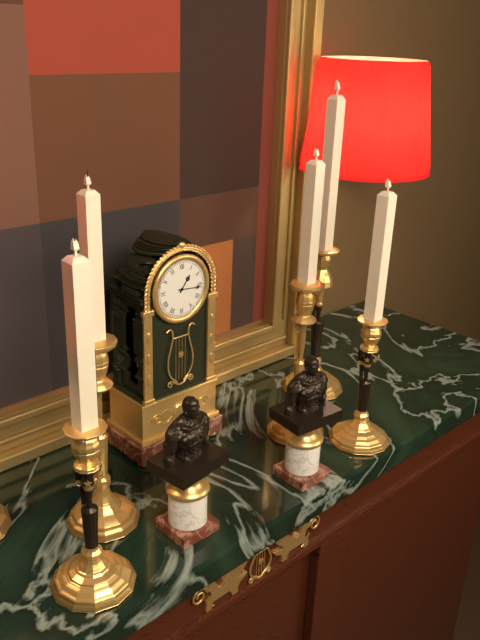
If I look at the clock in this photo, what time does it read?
1:16
